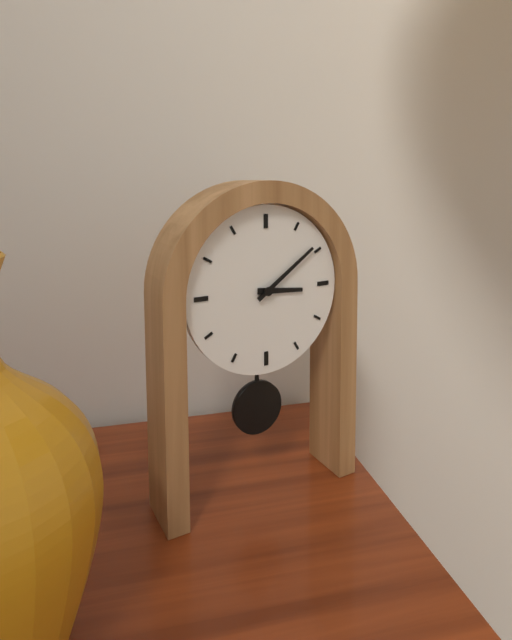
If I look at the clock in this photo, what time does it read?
3:09
